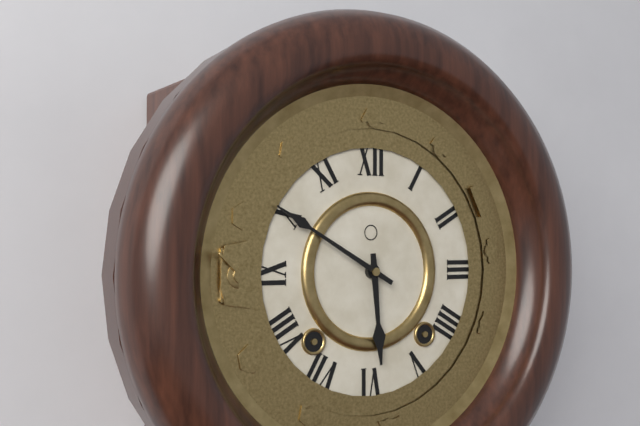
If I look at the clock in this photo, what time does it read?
5:50
